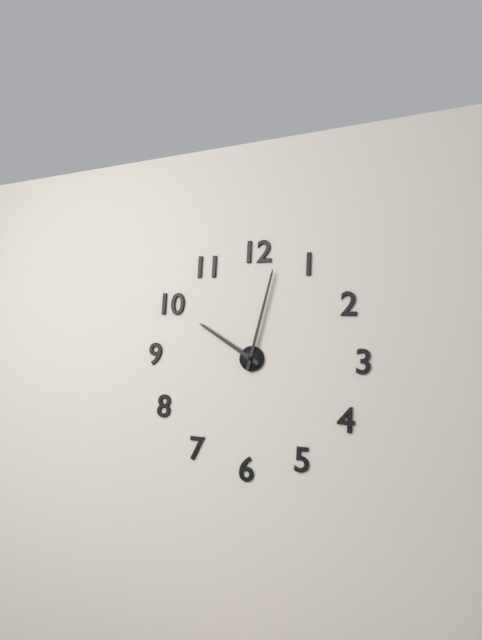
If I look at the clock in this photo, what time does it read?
10:02
